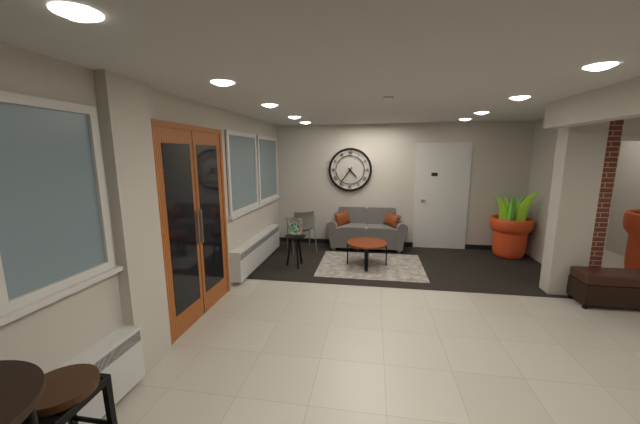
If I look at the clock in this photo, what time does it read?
4:36
